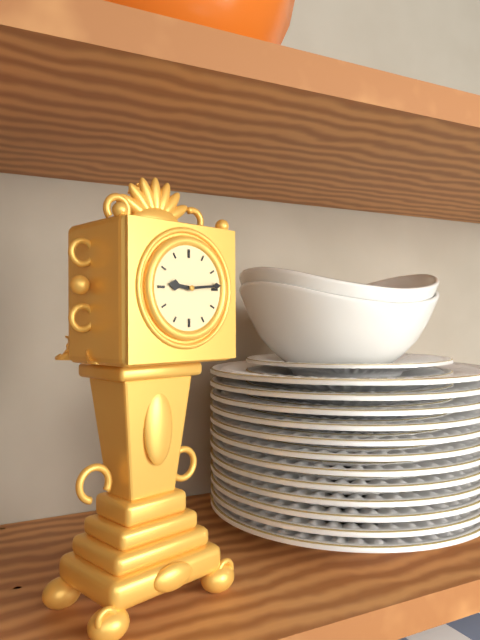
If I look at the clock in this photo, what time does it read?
9:14
